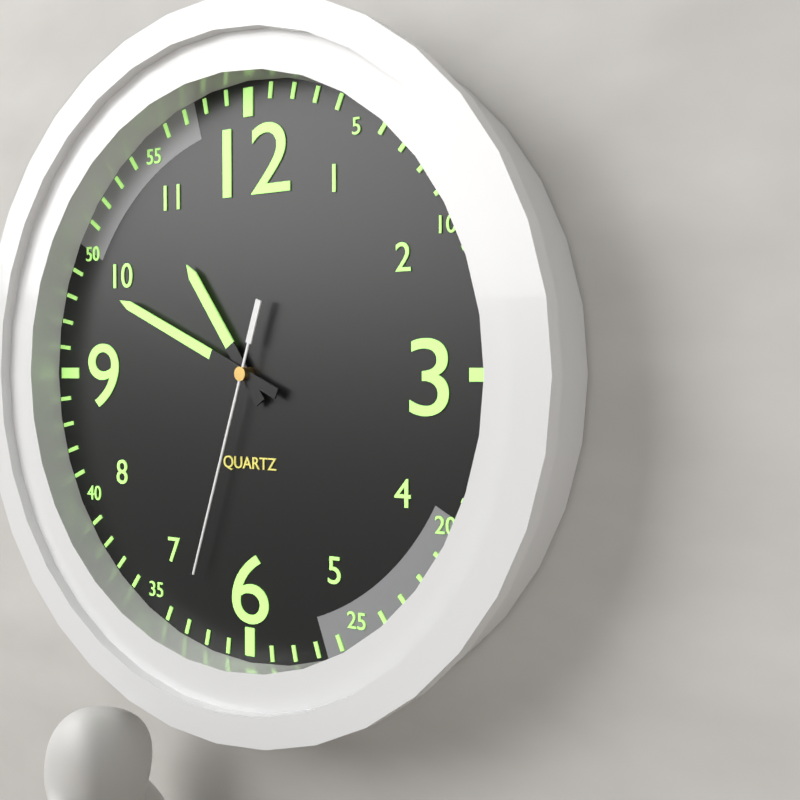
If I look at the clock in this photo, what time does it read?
10:49:33
